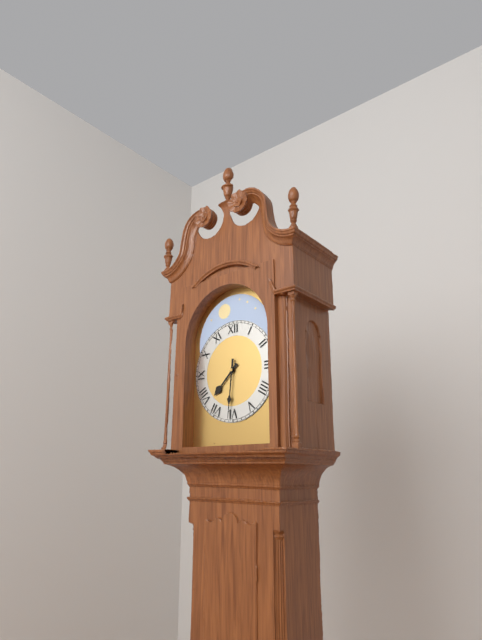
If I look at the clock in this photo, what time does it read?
7:31
